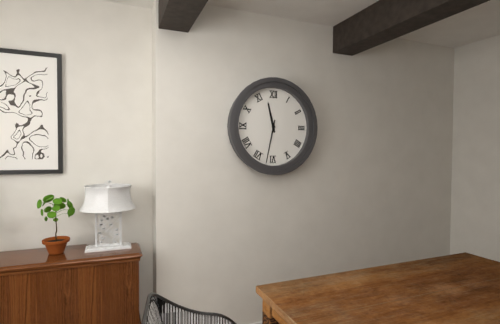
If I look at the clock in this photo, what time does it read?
11:32
